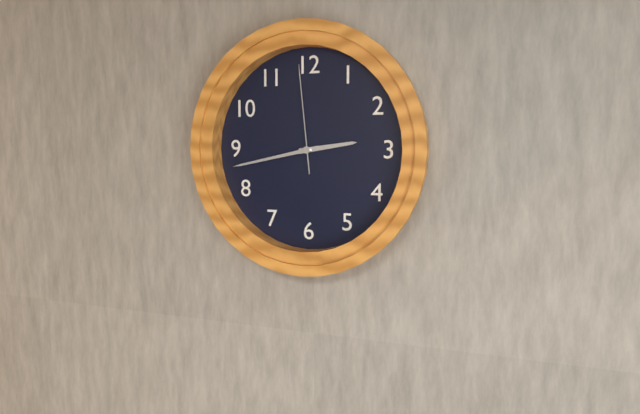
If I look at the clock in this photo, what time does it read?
2:43:59
